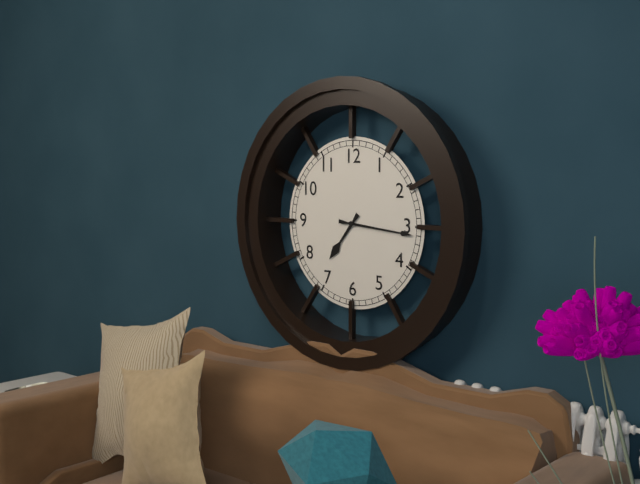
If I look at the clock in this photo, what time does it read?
7:16
